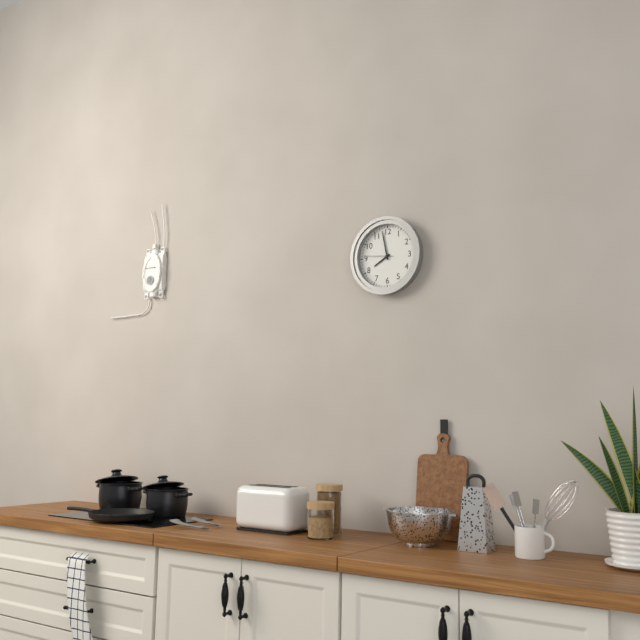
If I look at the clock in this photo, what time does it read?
7:58
